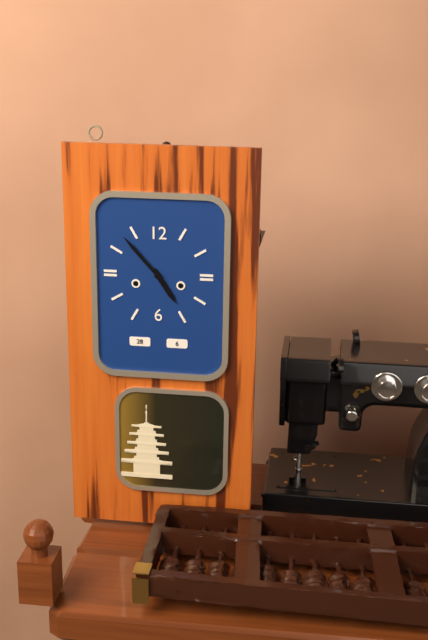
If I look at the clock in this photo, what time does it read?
4:53
